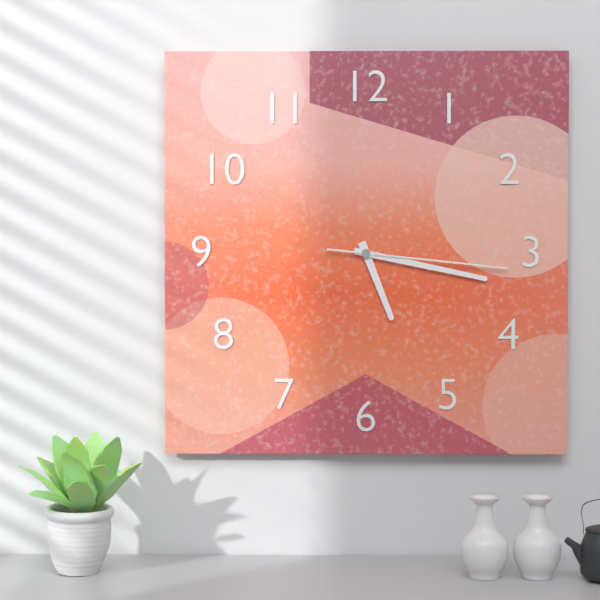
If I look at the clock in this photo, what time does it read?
5:17:16
